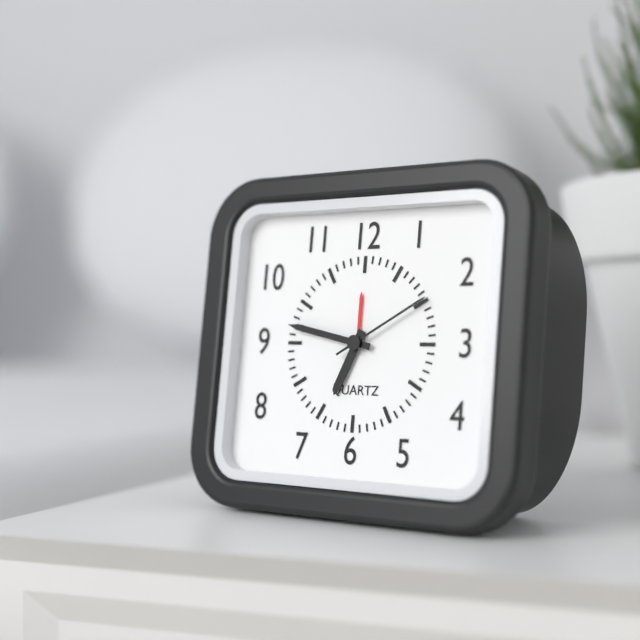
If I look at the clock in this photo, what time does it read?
6:47:10
